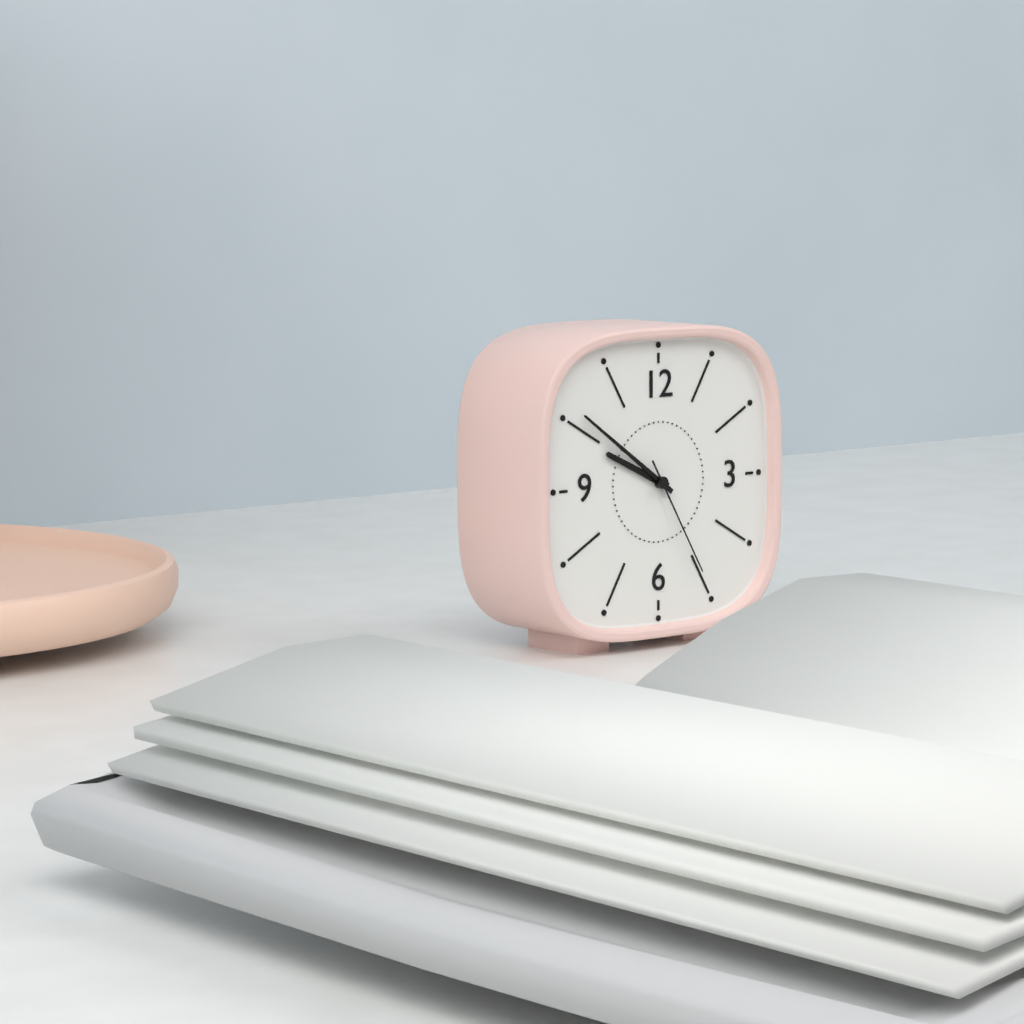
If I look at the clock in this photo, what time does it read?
9:51:25
